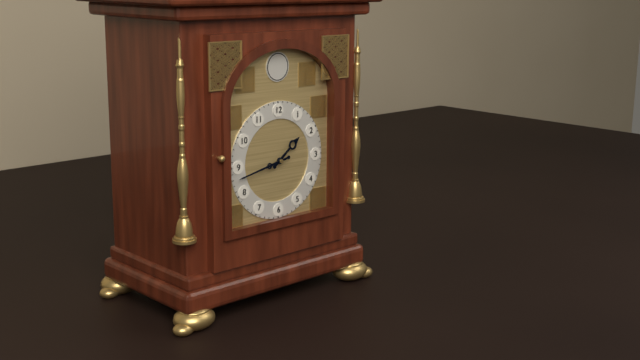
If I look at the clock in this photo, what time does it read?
1:43
